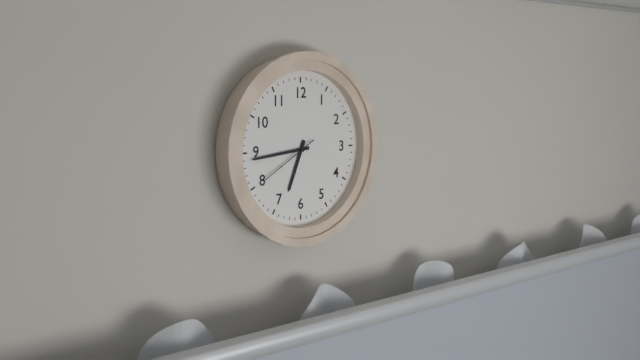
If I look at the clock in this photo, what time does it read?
6:44:40
